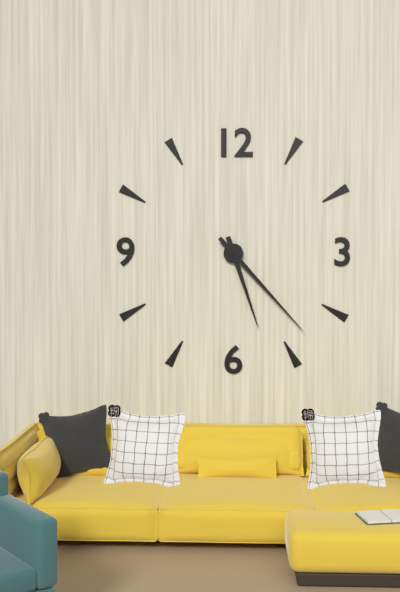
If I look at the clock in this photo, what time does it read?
5:23
